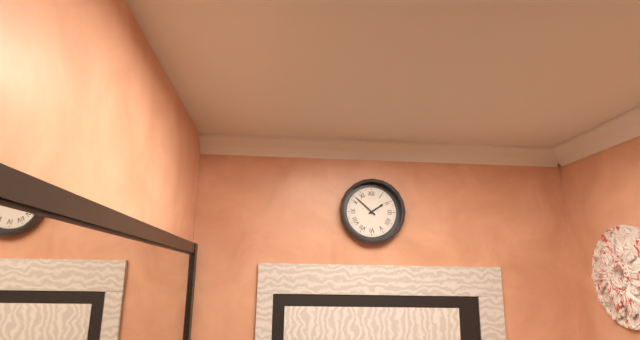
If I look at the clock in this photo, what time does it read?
1:52
